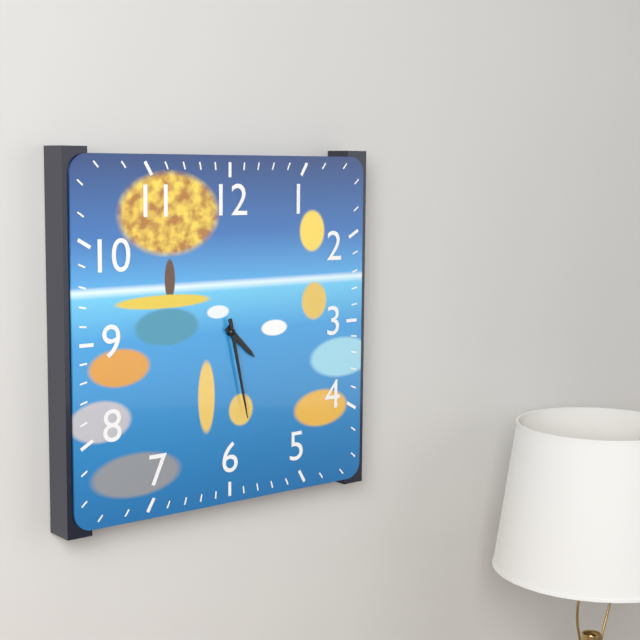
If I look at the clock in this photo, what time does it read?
4:28
